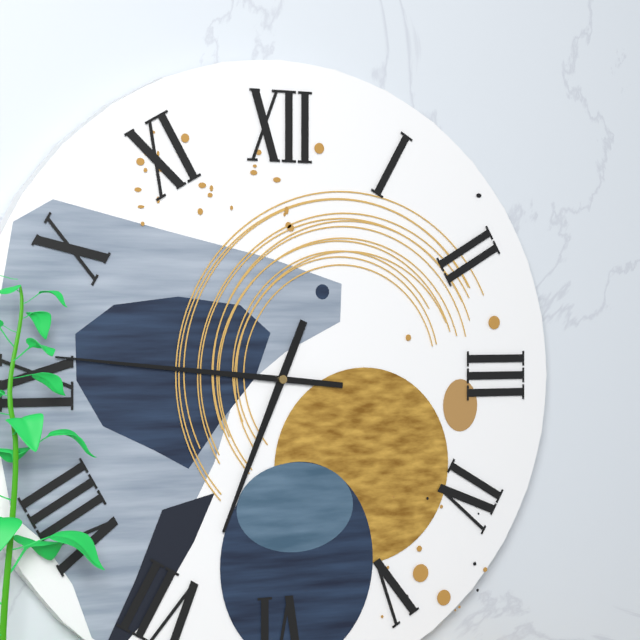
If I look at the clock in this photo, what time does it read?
6:46
